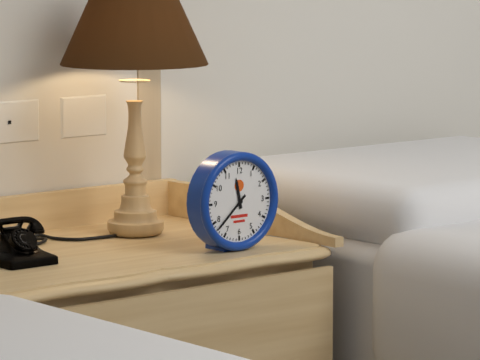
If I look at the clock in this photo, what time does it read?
11:38
